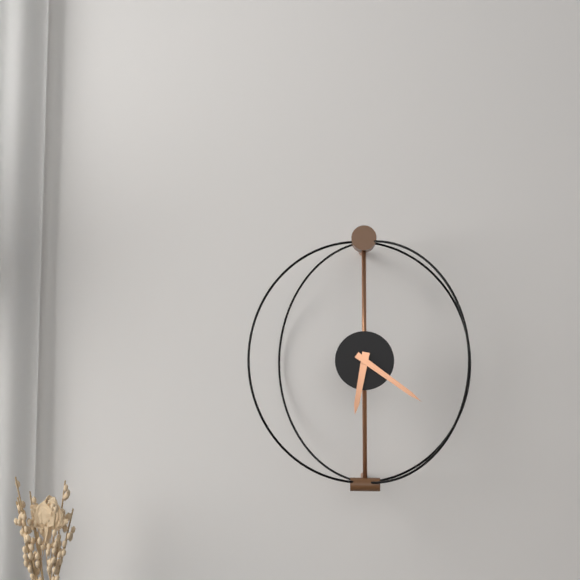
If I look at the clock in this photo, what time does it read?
6:21
